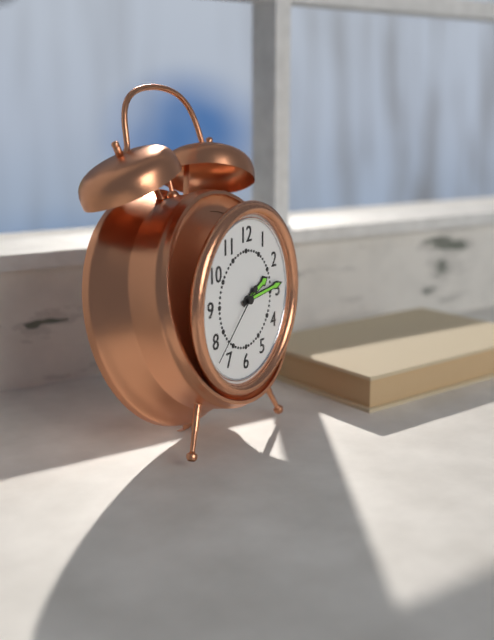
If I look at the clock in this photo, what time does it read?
2:14:38
